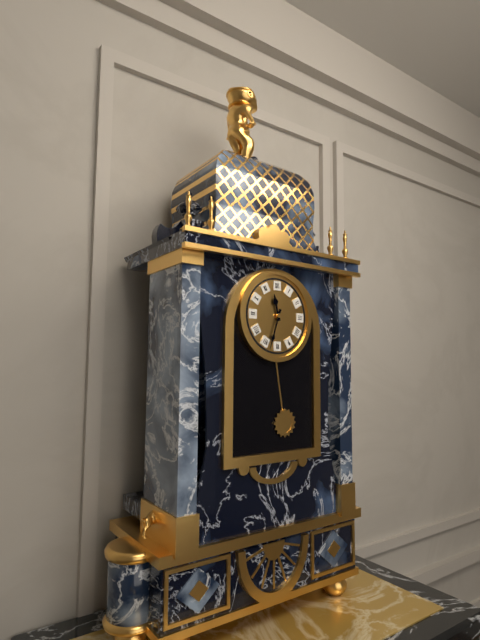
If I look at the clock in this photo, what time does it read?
11:33
